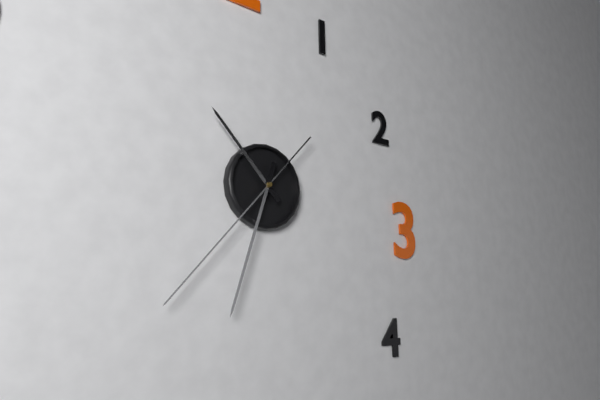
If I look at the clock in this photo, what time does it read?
10:33:37
